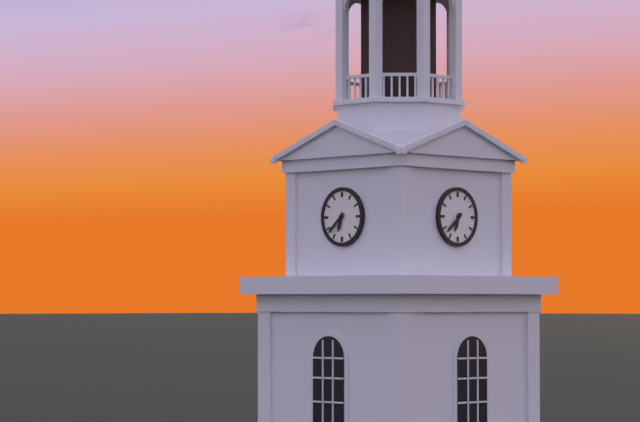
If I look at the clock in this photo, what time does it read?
6:38
